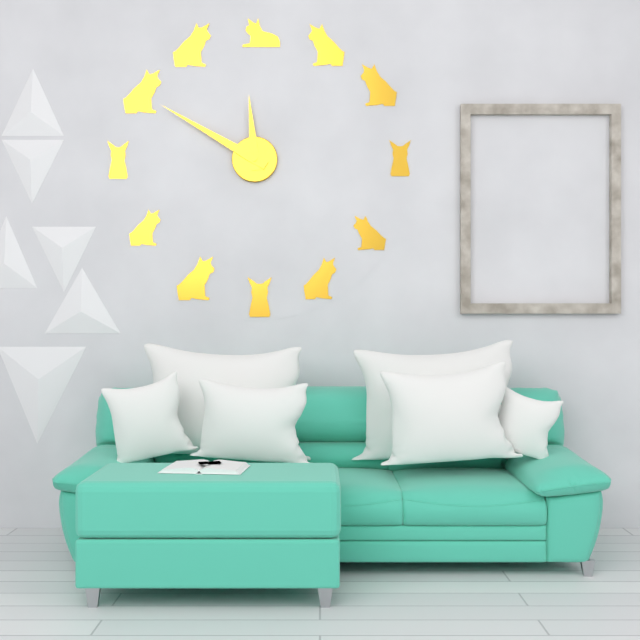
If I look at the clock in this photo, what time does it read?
11:50
